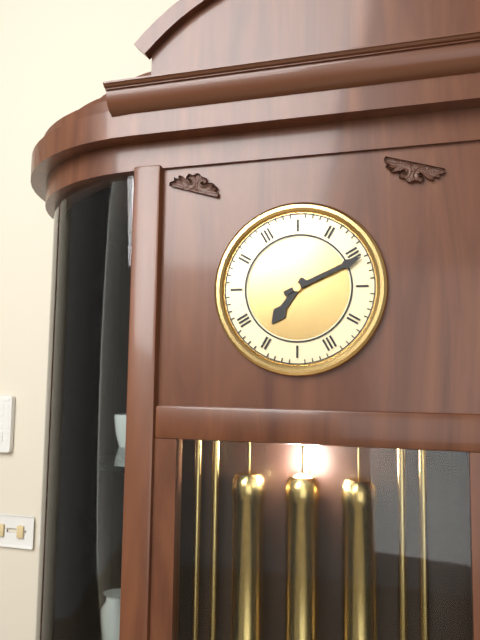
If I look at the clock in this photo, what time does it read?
7:11
